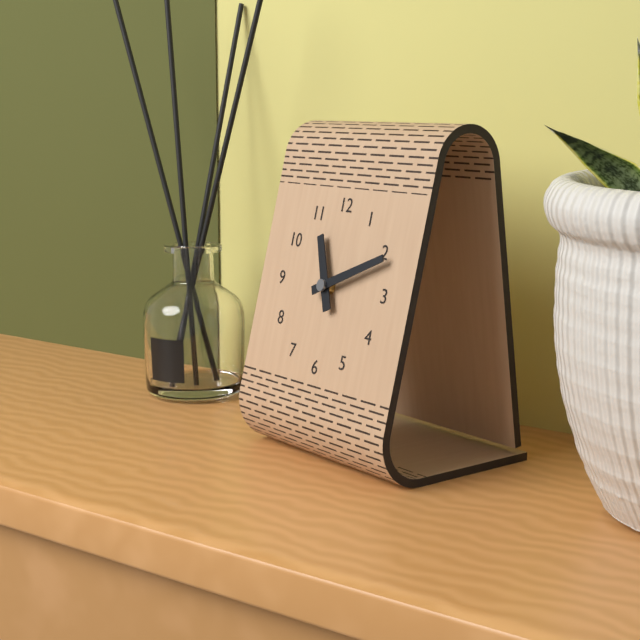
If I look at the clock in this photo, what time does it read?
11:11
